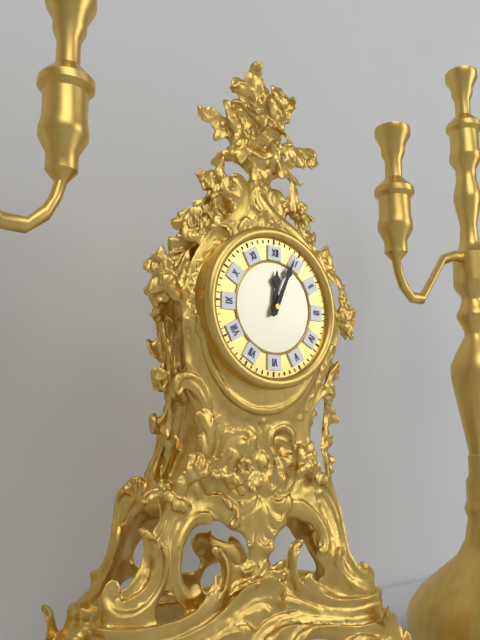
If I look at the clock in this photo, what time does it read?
12:04
